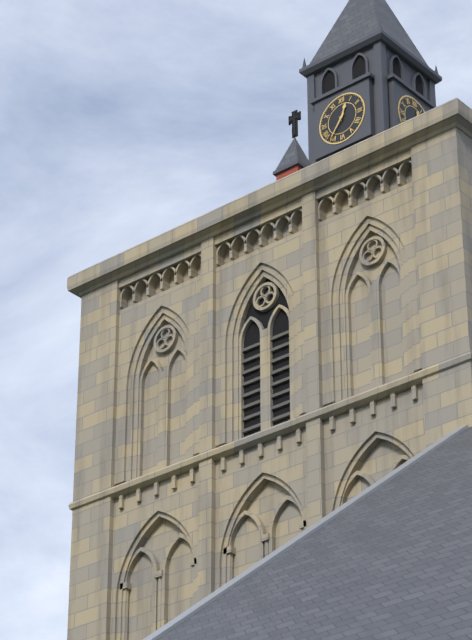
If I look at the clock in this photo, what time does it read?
12:36
